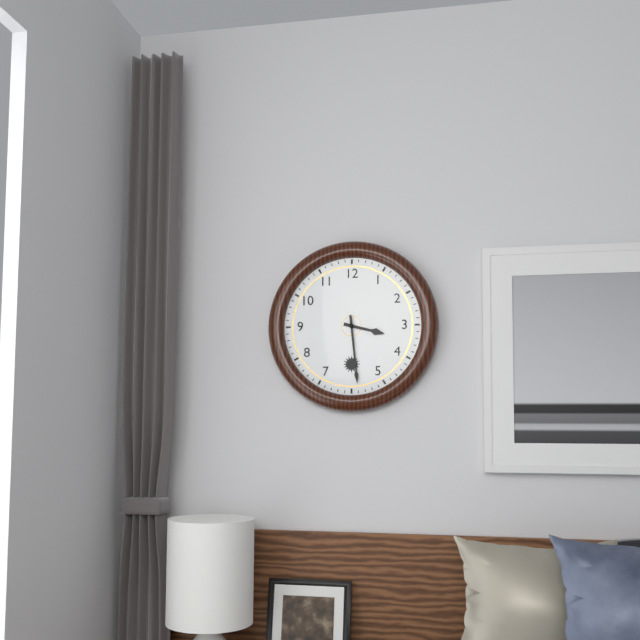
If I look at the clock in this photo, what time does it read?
3:29
